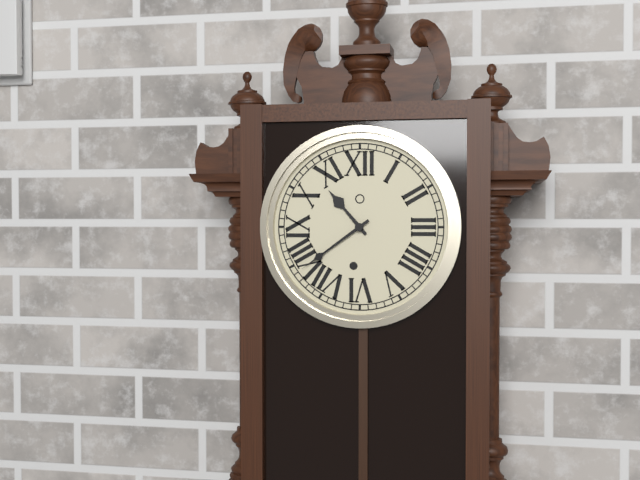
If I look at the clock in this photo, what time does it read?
10:39
